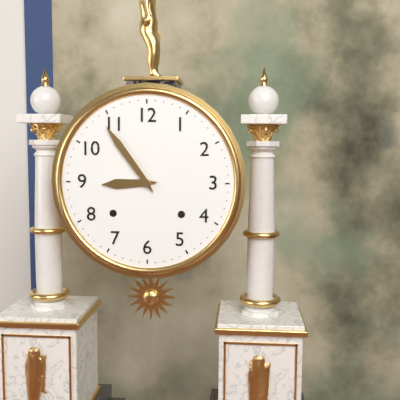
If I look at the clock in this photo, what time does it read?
8:54
